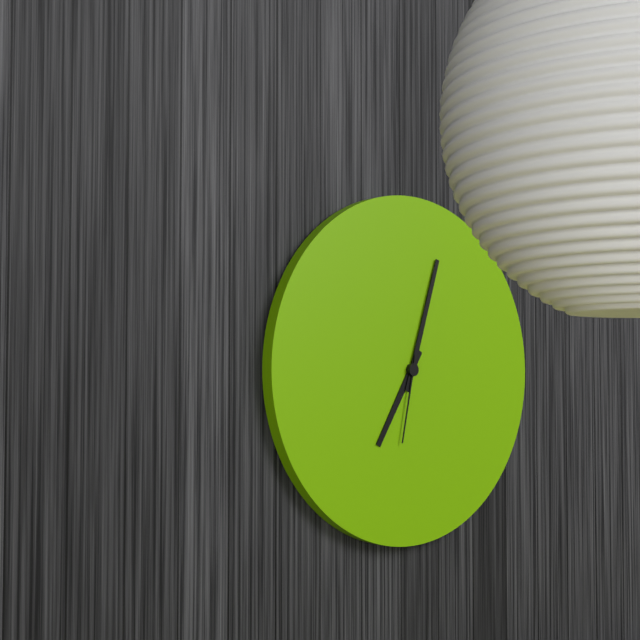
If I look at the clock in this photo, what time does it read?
7:03:32
